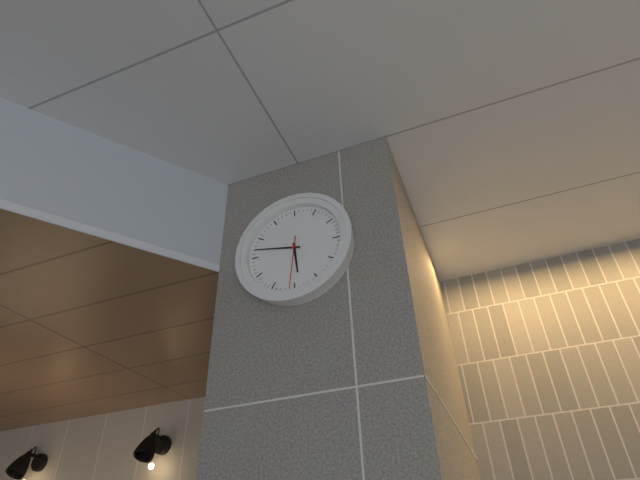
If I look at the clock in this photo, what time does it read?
5:47:31
